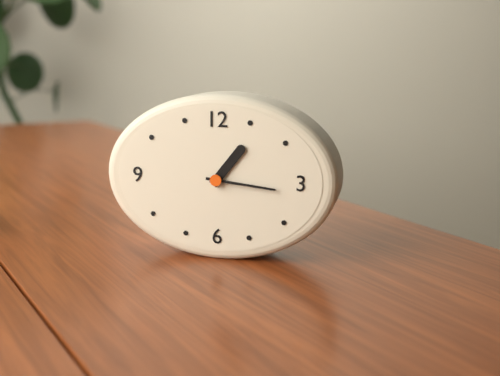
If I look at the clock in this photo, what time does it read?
1:16
